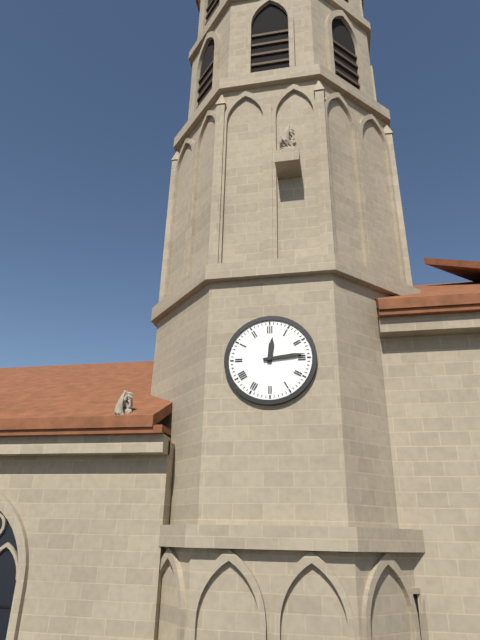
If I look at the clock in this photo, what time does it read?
12:14
